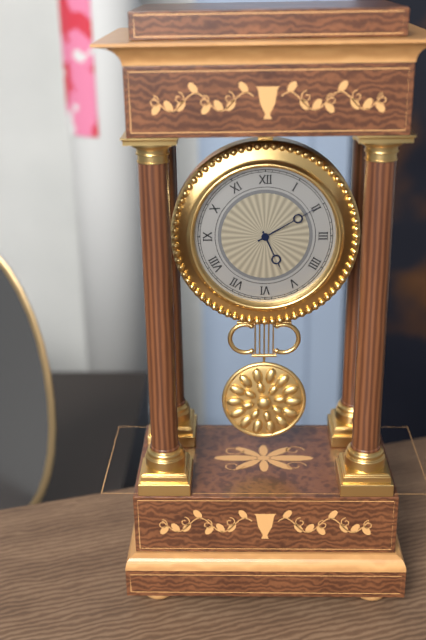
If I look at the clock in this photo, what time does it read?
5:10
